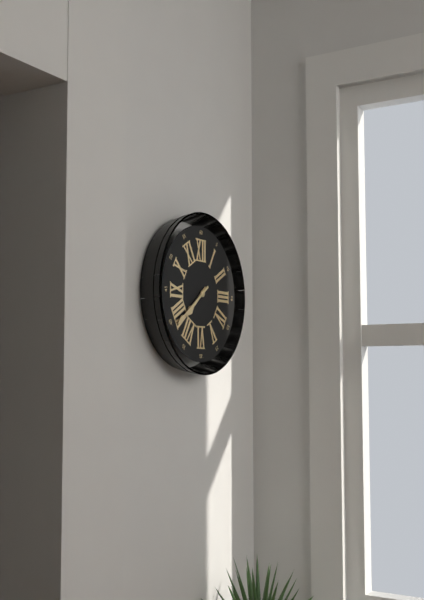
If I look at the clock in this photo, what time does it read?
7:39
